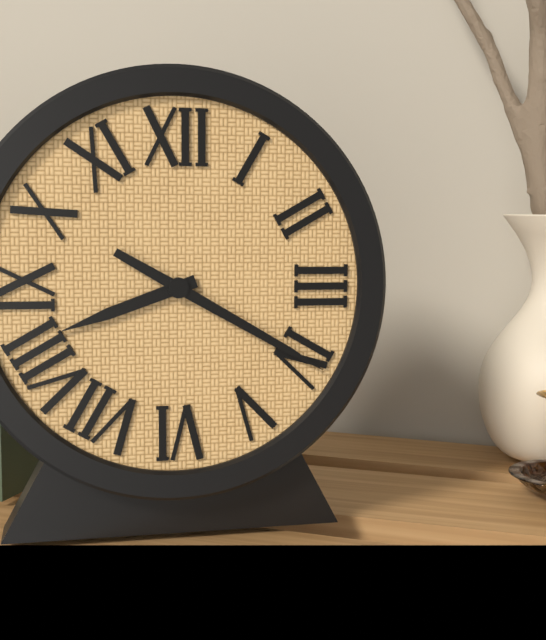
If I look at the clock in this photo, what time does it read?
8:20
